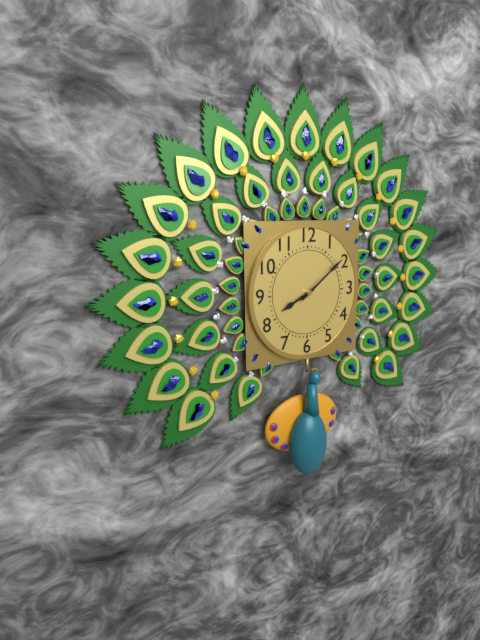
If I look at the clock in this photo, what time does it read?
8:09
